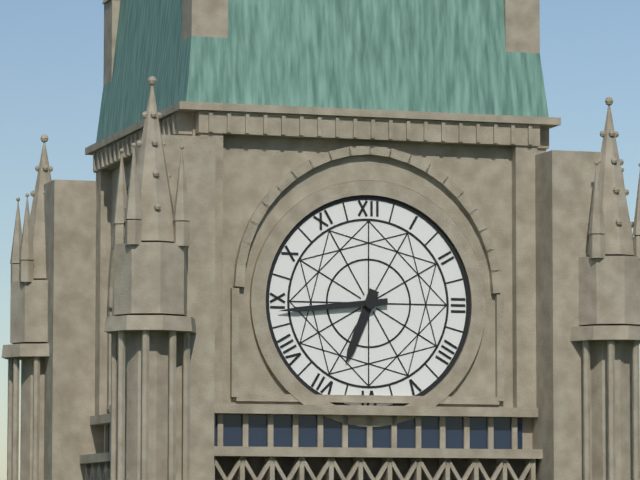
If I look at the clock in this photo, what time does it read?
6:44
